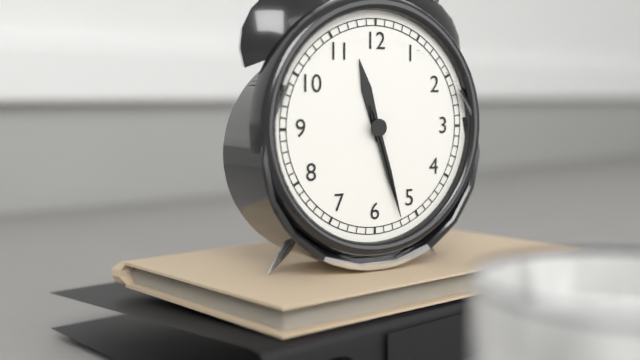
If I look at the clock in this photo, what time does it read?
11:27:27
